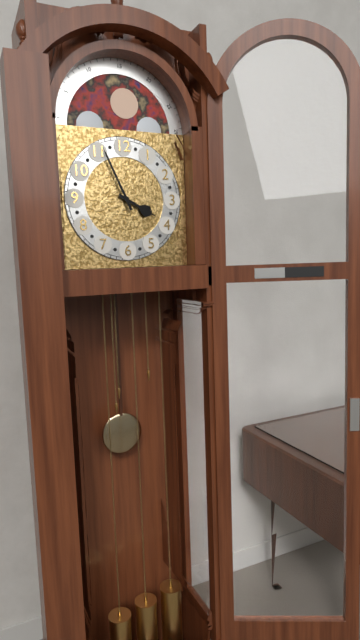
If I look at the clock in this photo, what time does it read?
3:56
